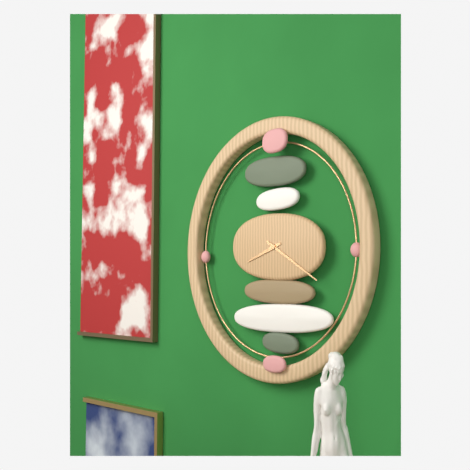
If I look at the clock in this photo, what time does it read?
8:20
